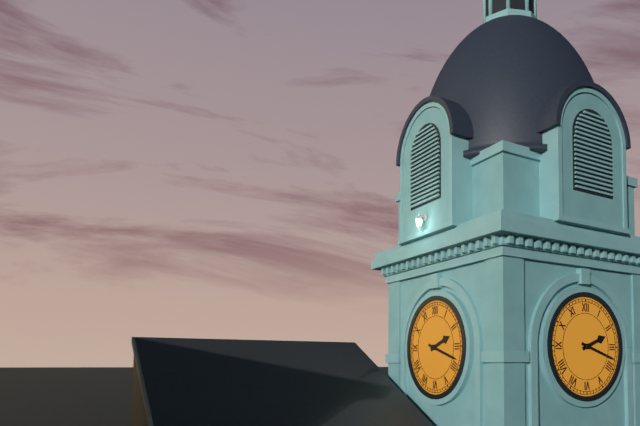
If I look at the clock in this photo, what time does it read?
2:18
